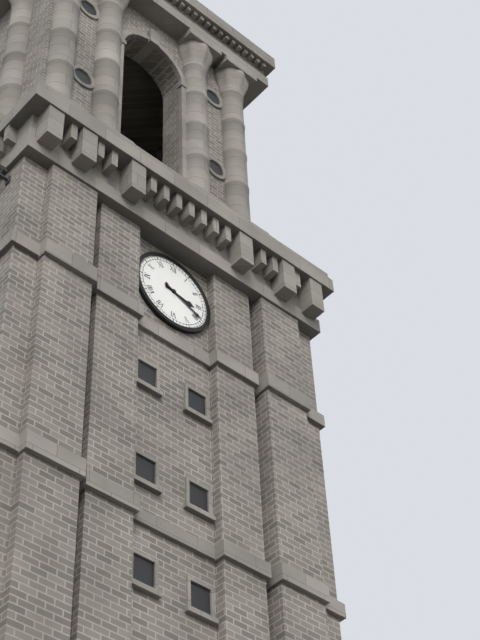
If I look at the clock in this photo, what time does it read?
3:19
